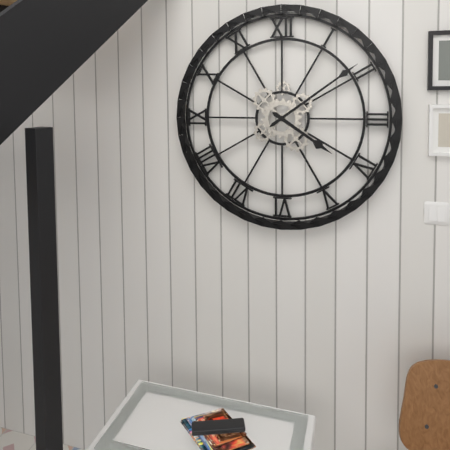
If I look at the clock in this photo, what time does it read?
4:09
